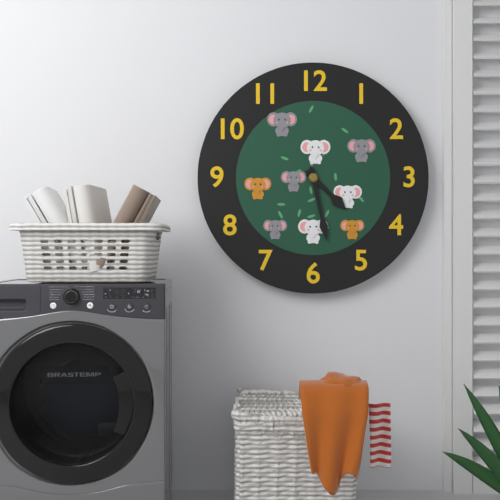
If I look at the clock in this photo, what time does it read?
4:28
